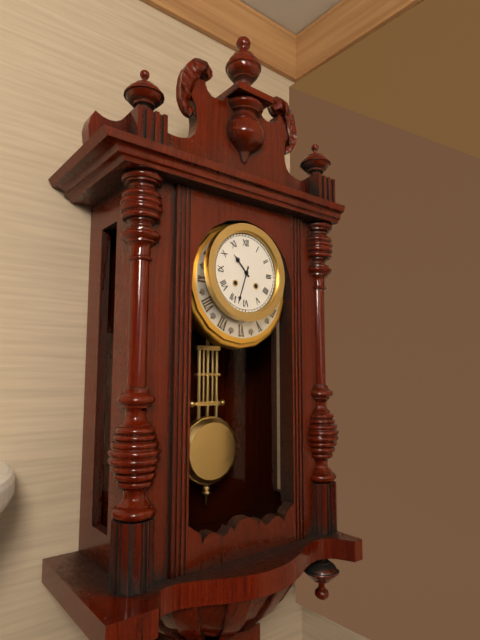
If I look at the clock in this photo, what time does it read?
10:33
